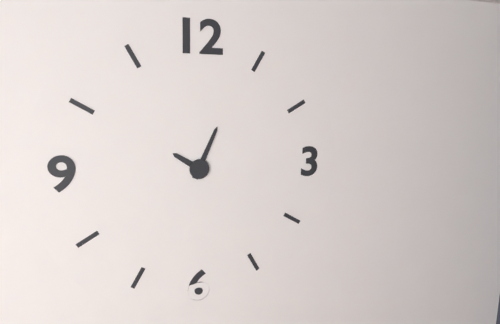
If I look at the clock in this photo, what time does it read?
10:04
